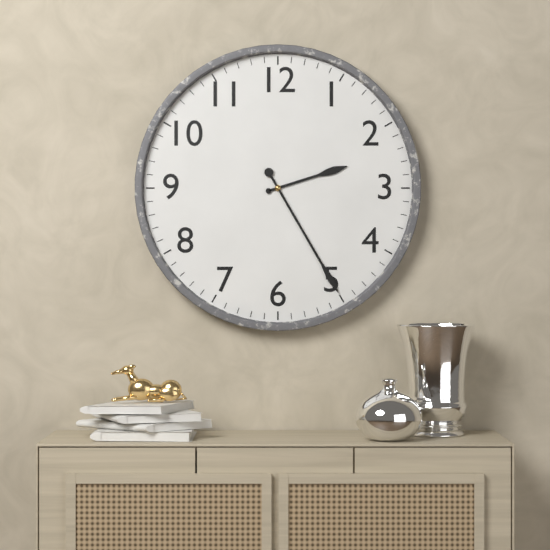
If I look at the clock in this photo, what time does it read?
2:25
